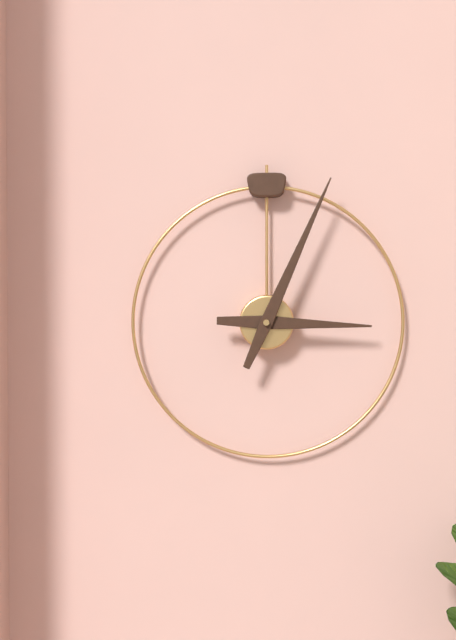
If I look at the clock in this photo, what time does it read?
3:04
